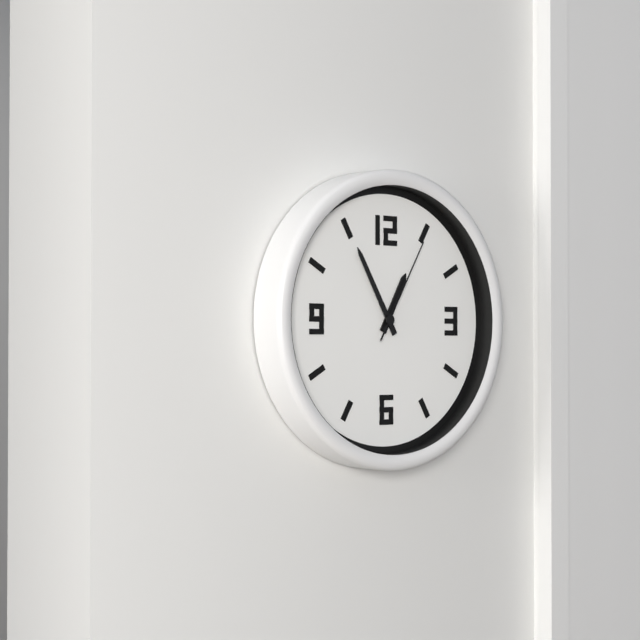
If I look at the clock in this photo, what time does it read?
12:55:05
